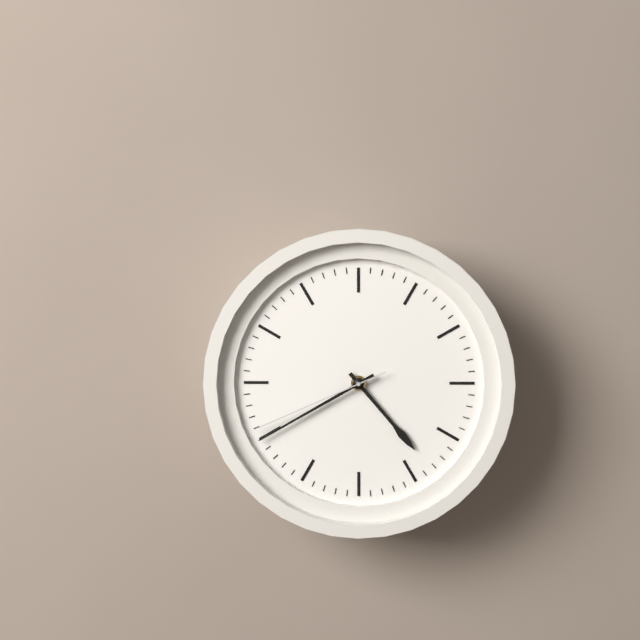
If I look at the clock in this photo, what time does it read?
4:40:41
